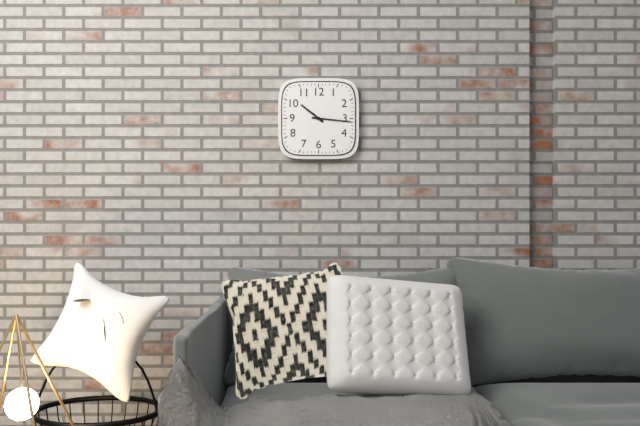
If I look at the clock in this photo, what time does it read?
10:16
